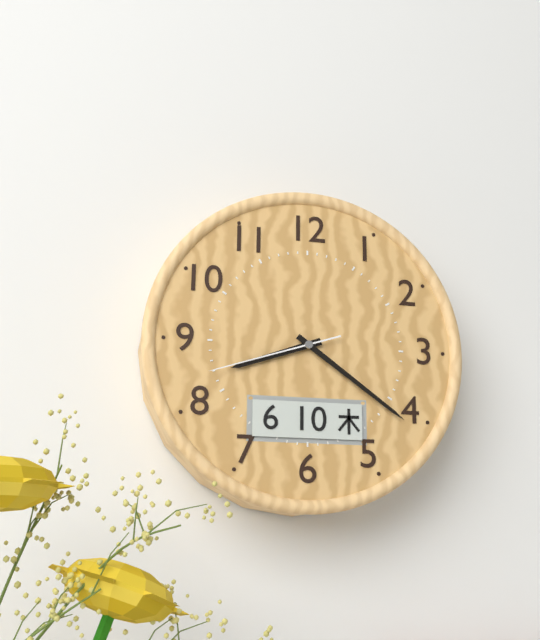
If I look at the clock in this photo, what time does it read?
8:21:42
